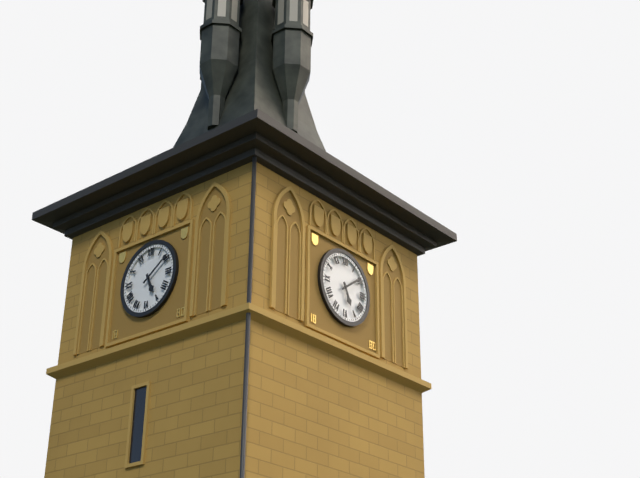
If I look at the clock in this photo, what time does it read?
5:09
